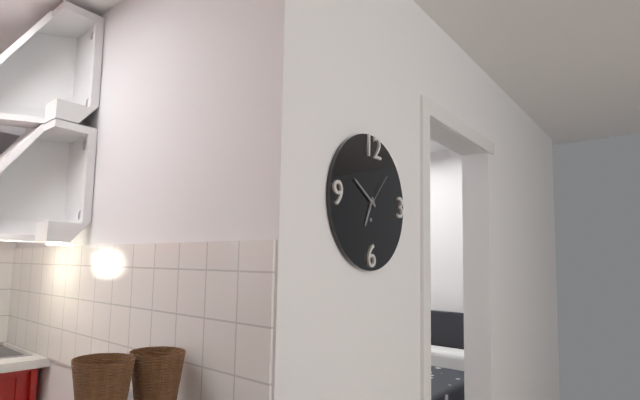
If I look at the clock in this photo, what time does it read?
6:50
